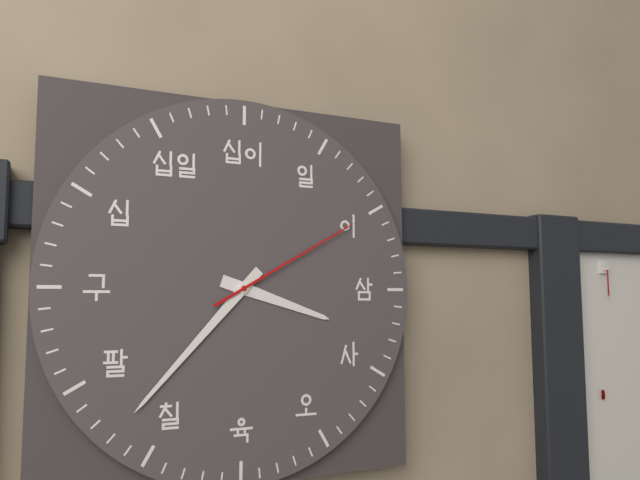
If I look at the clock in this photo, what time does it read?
3:37:10
